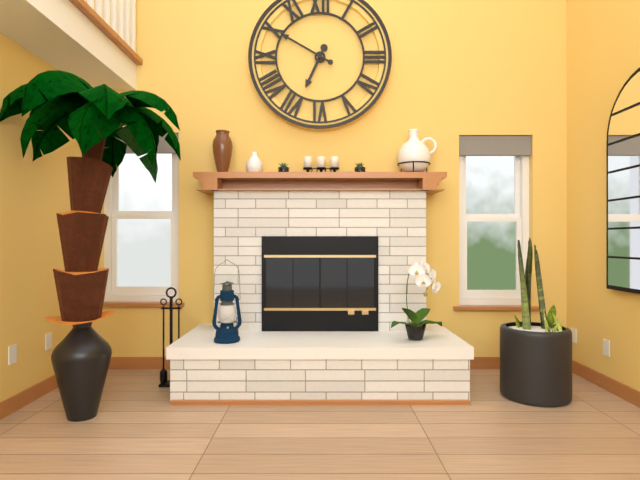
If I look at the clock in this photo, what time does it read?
6:50
